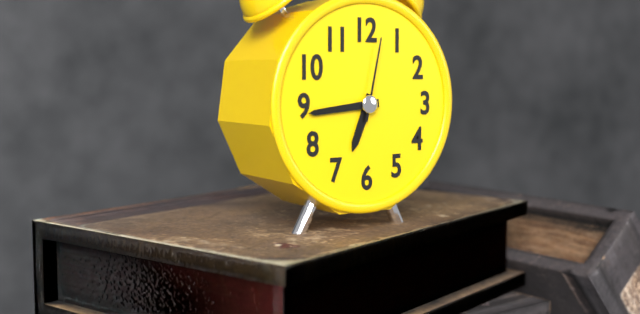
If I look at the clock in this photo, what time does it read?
6:44:02
